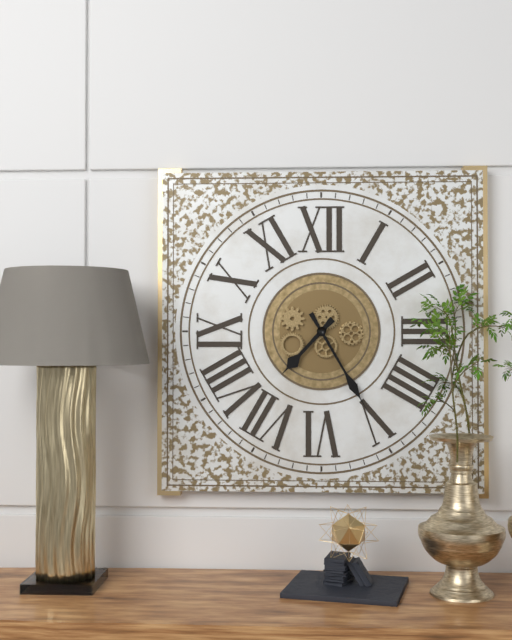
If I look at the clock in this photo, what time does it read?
7:25
